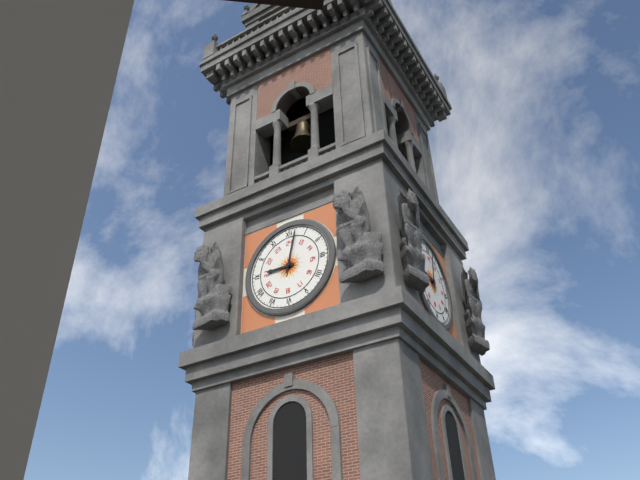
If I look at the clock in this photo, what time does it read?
9:02
